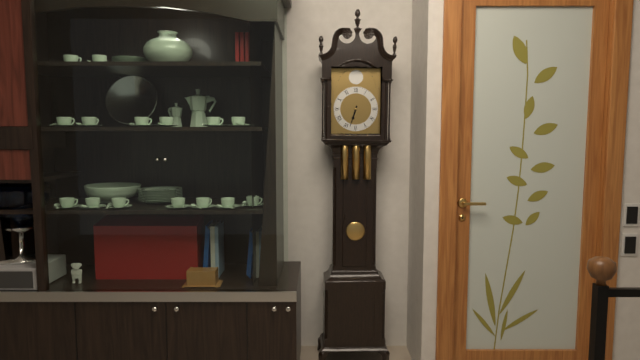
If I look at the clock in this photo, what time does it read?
6:33
